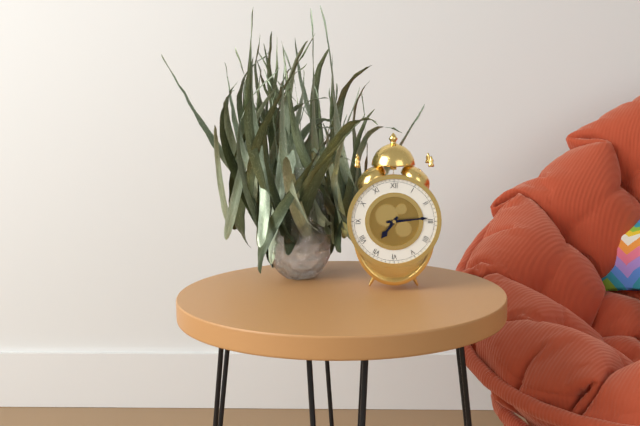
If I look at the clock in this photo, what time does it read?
7:14
